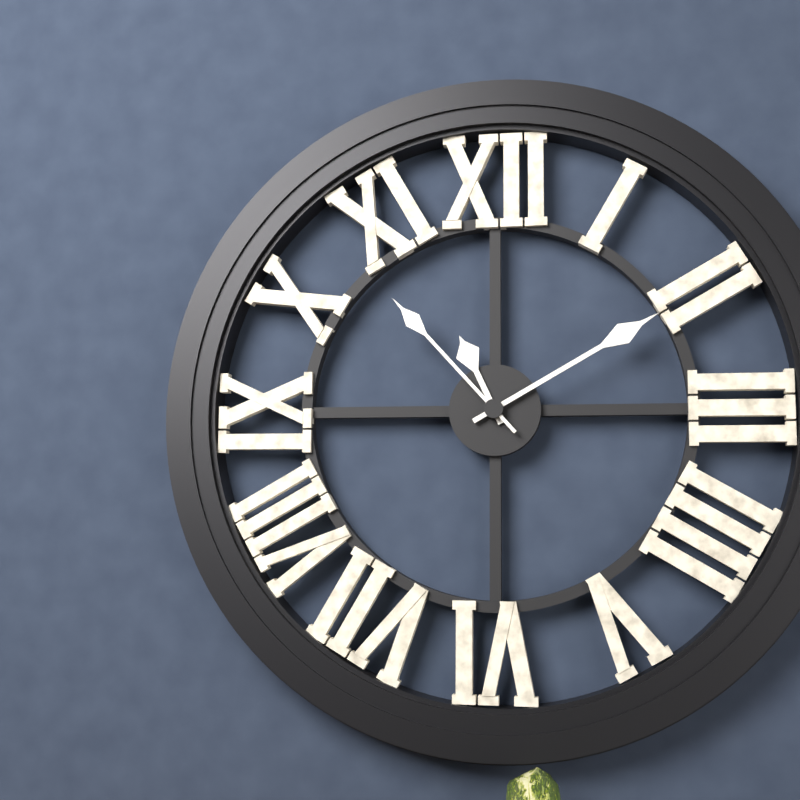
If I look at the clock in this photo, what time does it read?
11:10:53
